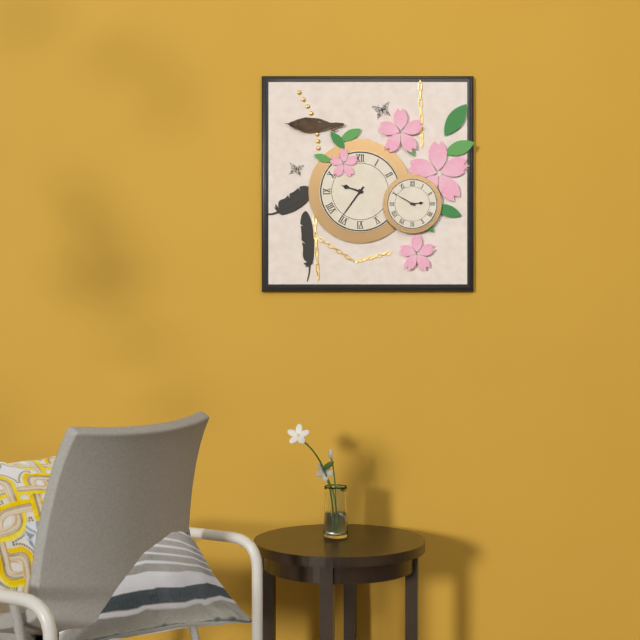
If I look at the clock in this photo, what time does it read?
9:36
